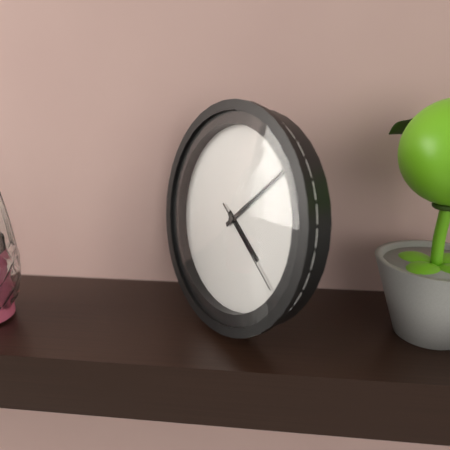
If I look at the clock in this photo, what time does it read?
4:08:21
